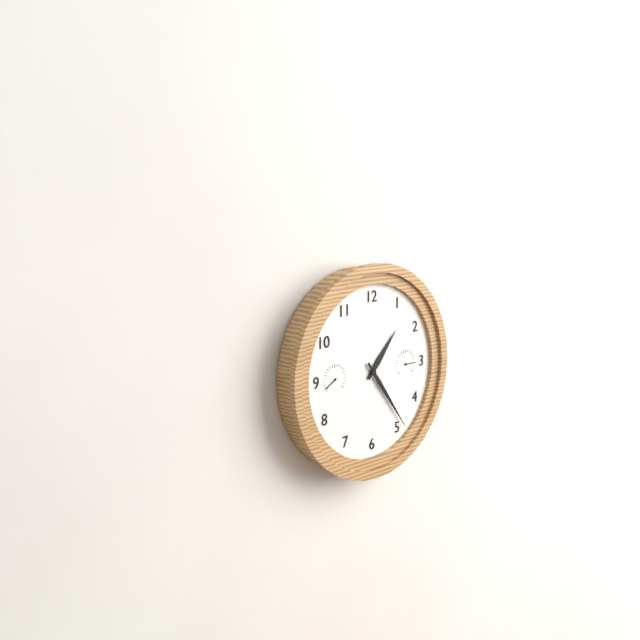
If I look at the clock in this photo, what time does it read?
1:24
